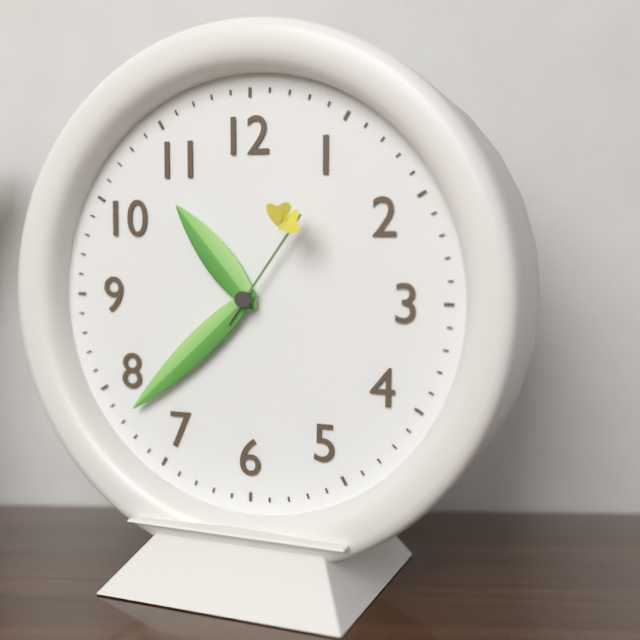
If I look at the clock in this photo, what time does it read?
10:38:06
